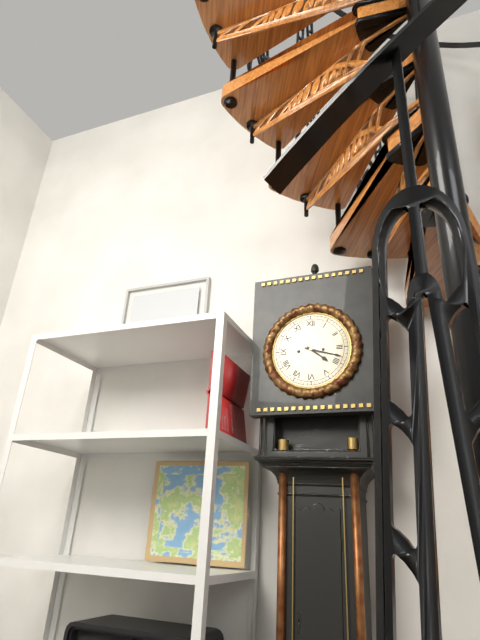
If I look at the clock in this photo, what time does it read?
4:18
